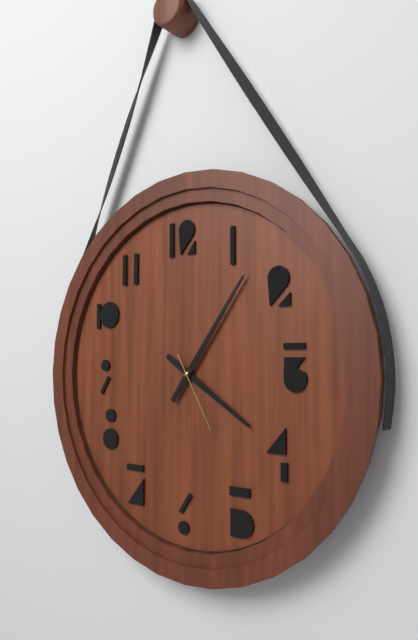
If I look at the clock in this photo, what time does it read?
4:06:25
